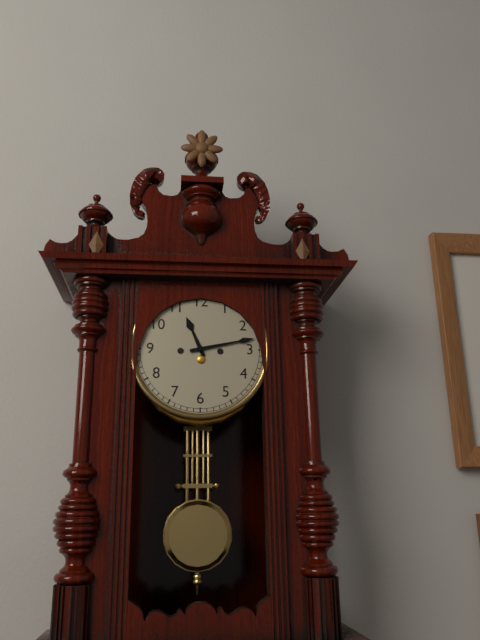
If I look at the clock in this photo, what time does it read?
11:13
